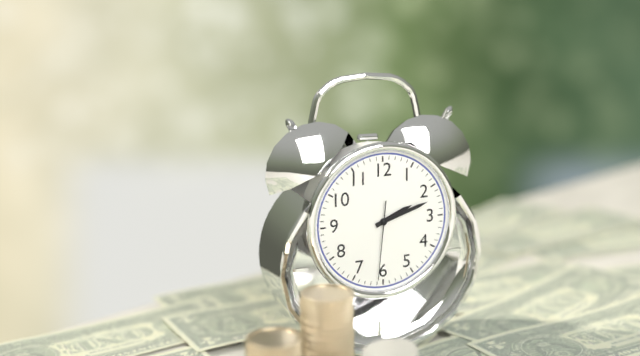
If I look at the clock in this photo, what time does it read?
2:12:31
